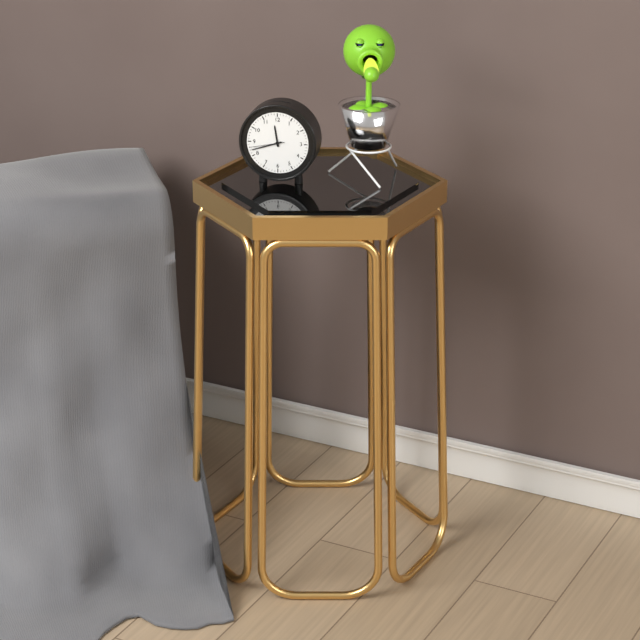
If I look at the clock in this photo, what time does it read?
11:42
